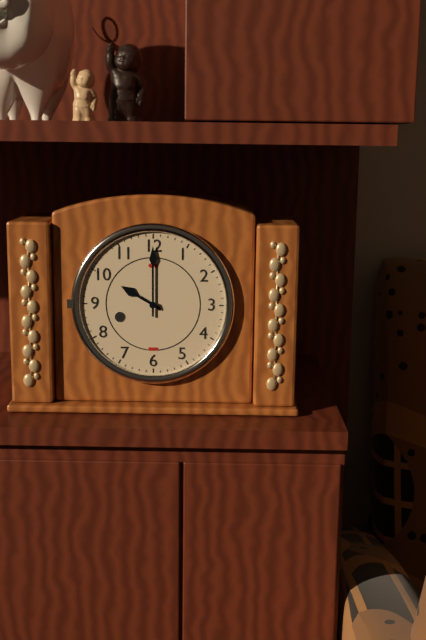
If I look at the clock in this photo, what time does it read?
10:00
